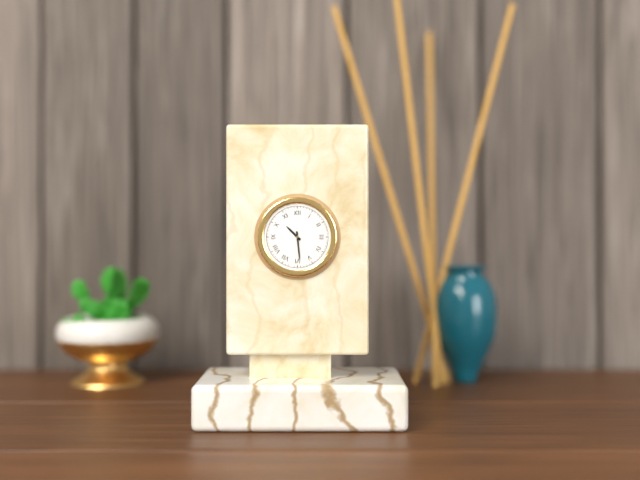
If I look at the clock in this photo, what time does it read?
10:29
